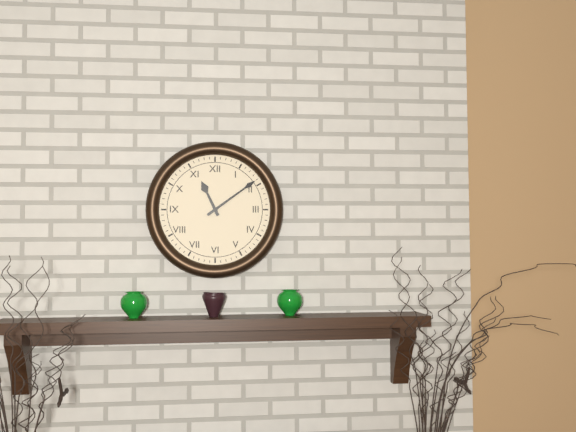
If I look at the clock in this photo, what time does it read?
11:09
